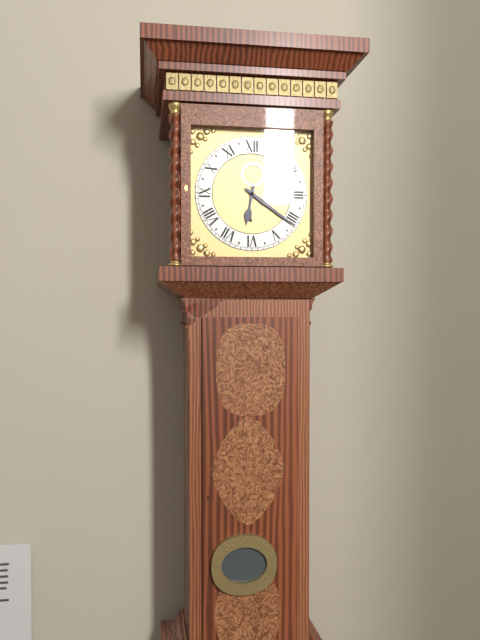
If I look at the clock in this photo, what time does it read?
6:21
